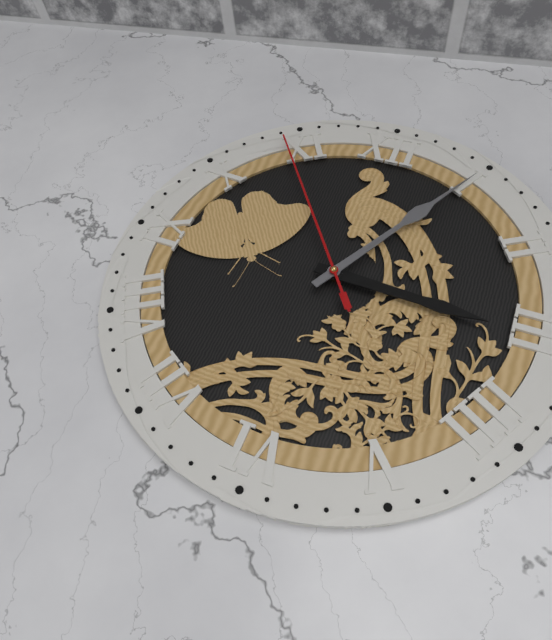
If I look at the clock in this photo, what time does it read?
3:05:54
